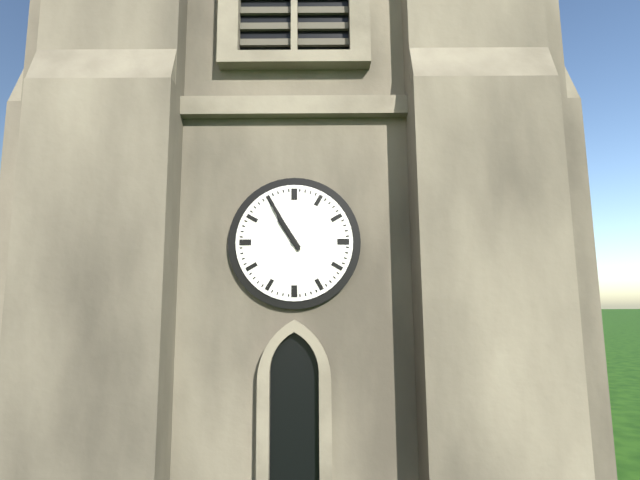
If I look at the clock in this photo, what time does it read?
10:55
